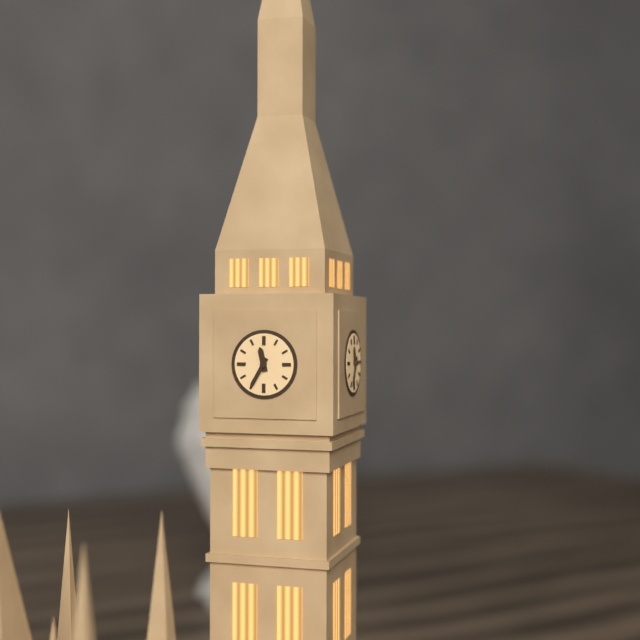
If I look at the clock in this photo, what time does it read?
11:35
